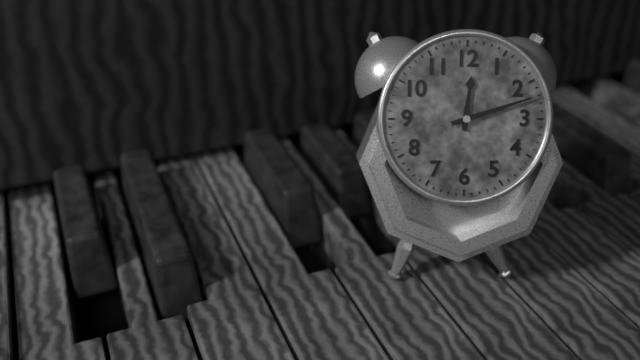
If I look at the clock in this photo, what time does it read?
12:12
